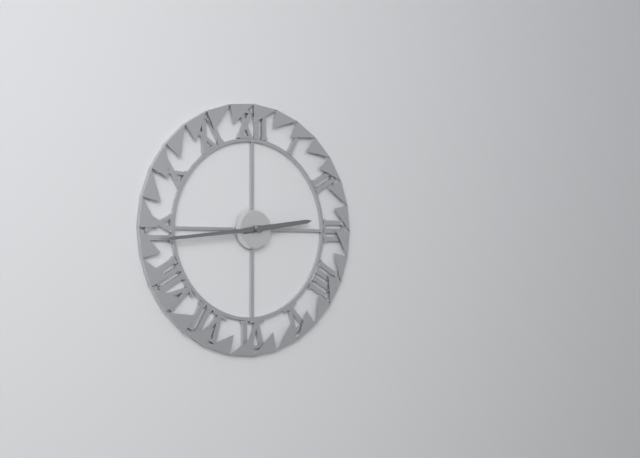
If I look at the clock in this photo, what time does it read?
2:44
